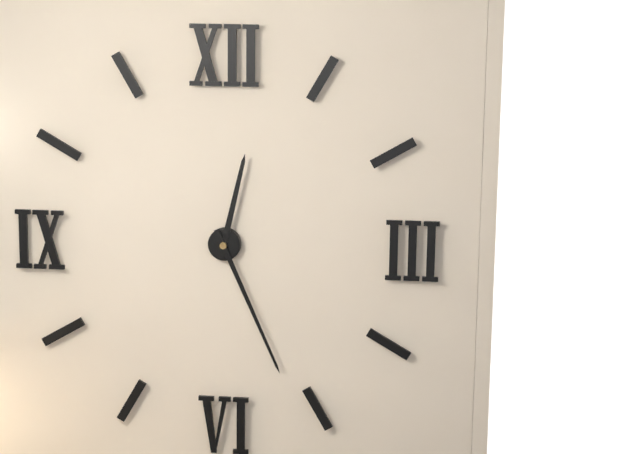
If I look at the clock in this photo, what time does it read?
12:26
